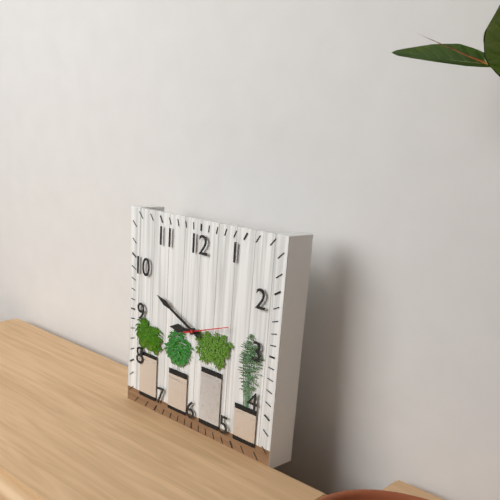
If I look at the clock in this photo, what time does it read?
8:49
